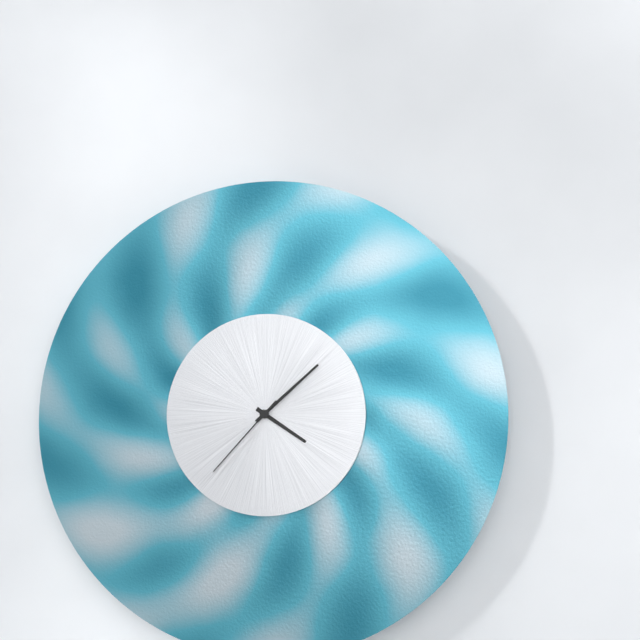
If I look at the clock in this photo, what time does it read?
4:08:37
